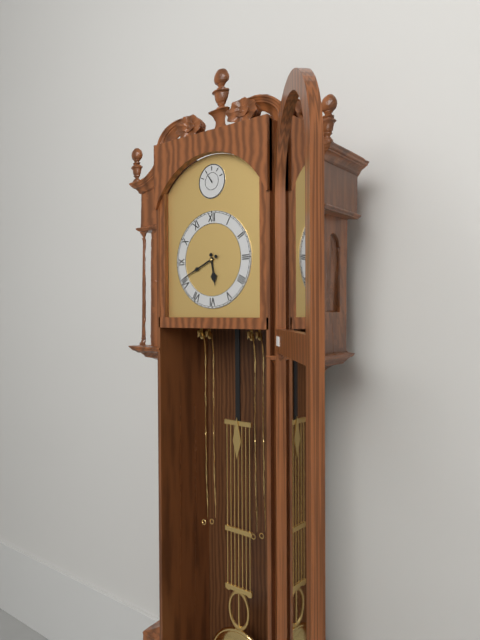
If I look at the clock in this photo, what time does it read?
5:41
